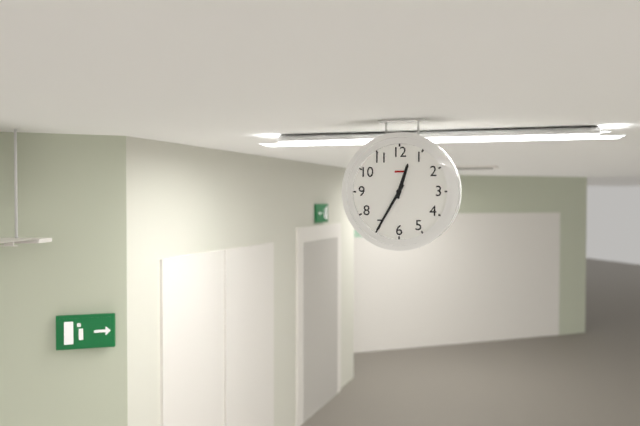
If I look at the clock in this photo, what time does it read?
12:35
